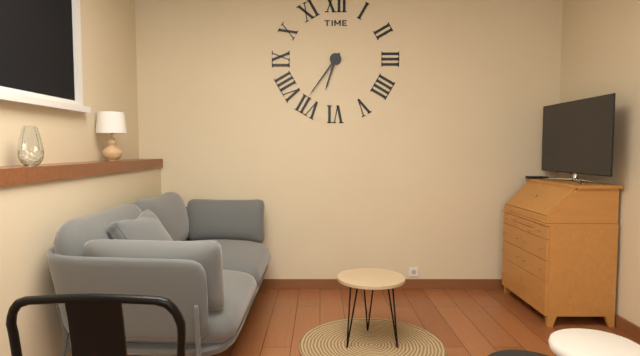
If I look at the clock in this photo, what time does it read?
6:36
